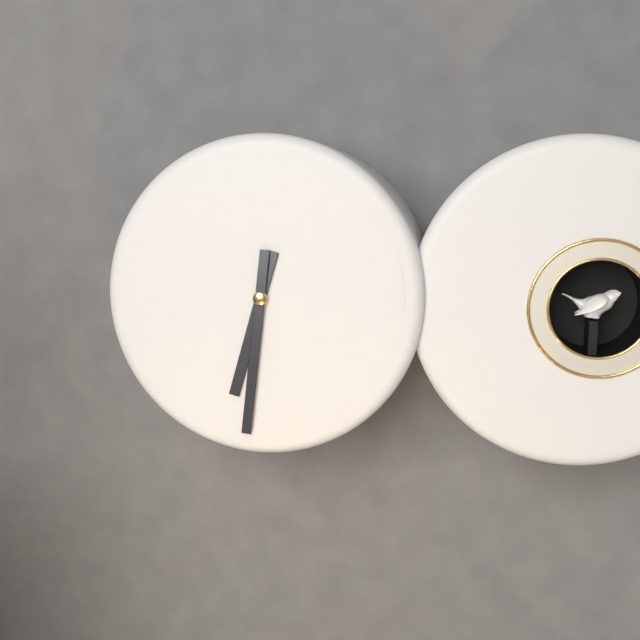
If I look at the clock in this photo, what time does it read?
6:31
